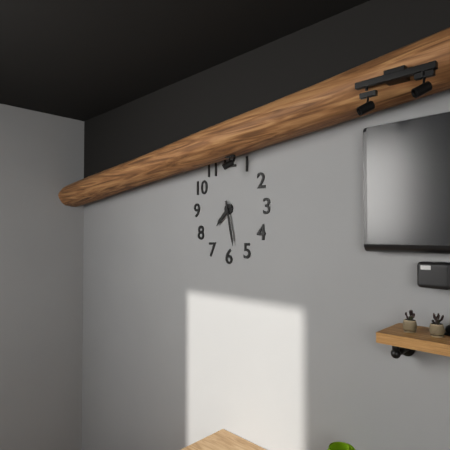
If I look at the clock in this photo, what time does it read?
7:28
